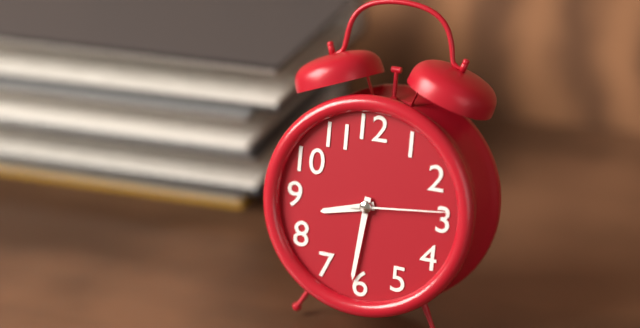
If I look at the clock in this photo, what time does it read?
8:31:14
